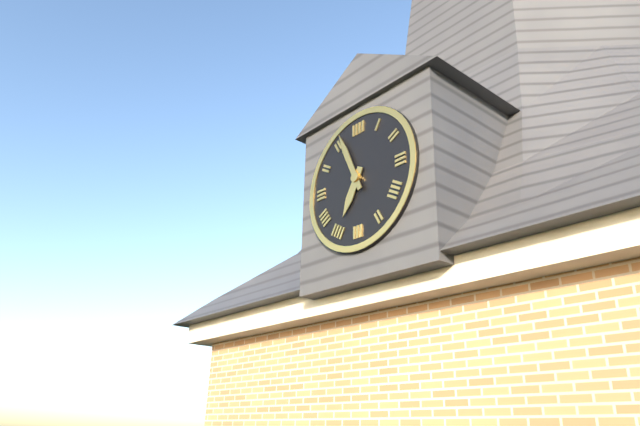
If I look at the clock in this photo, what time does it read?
6:56
